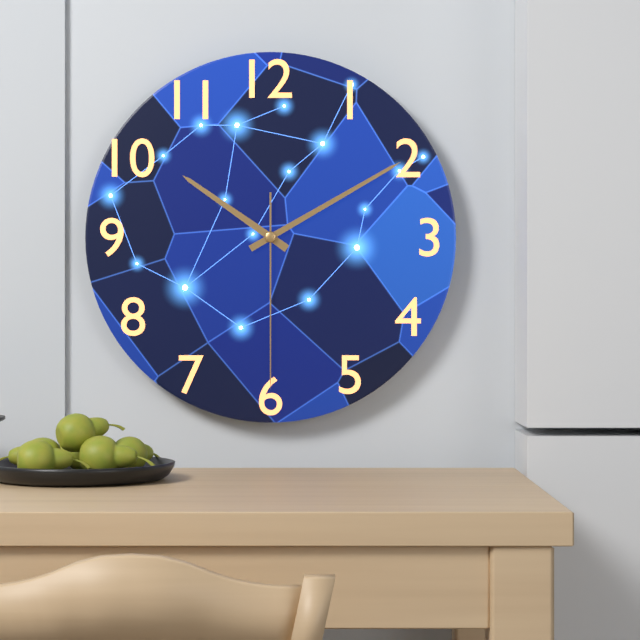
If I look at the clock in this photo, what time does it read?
10:10:30
